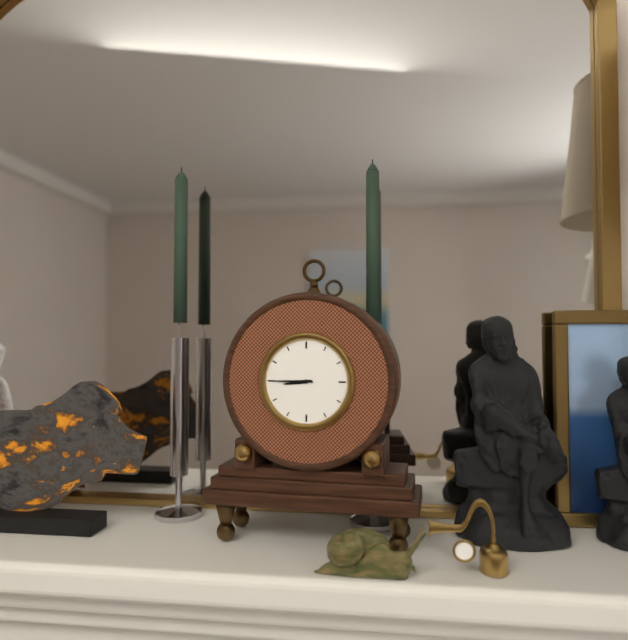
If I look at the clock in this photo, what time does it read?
8:45
